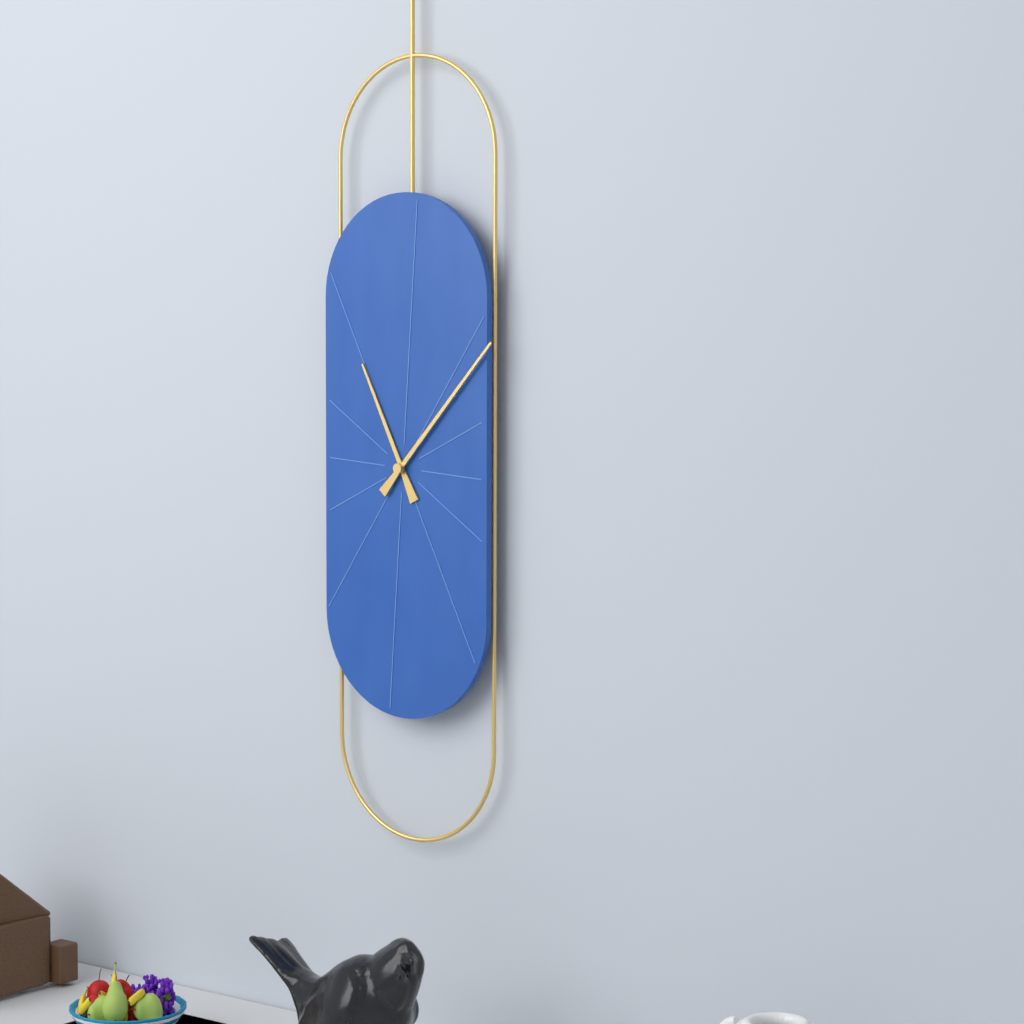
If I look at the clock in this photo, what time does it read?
11:07
